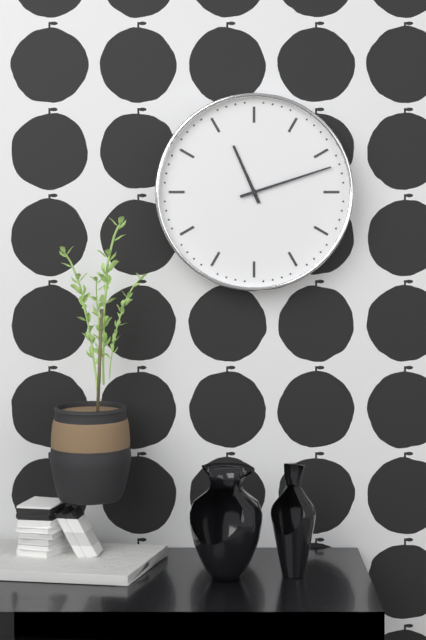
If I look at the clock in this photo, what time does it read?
11:12
